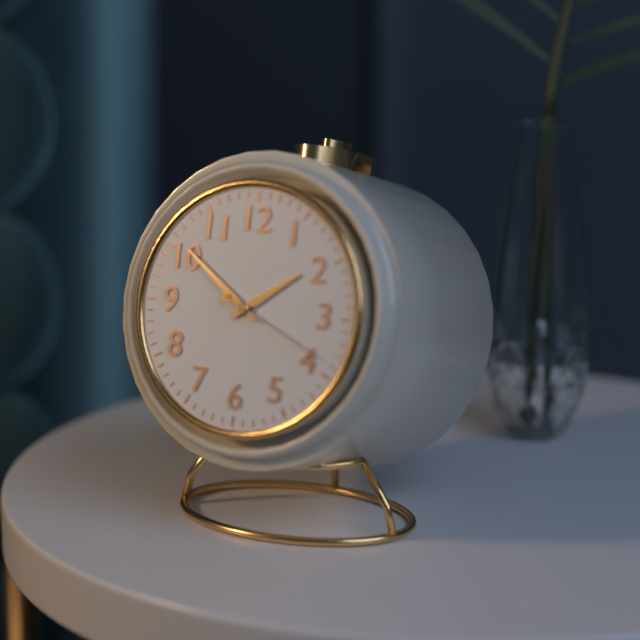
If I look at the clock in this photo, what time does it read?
1:51:19
